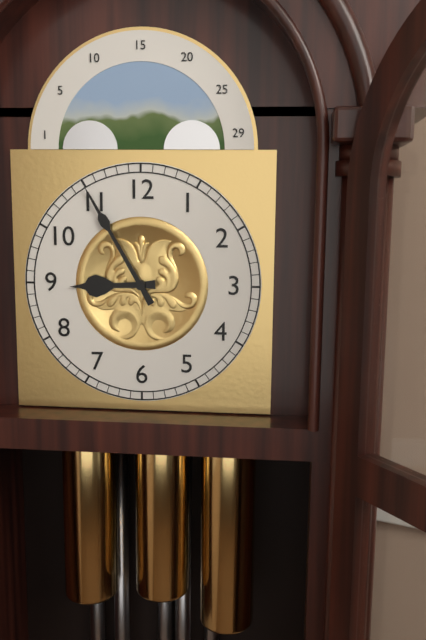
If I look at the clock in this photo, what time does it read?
8:55
